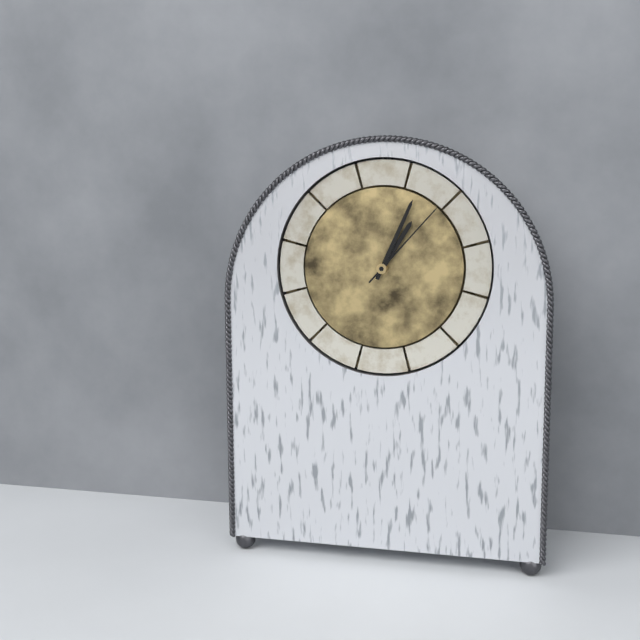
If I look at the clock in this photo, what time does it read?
1:04:07
